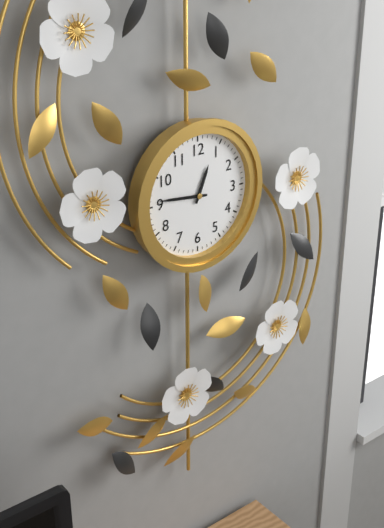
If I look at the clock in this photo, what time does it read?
12:46
